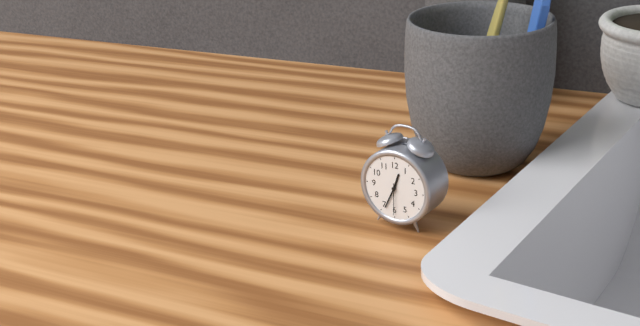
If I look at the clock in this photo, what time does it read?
12:34
